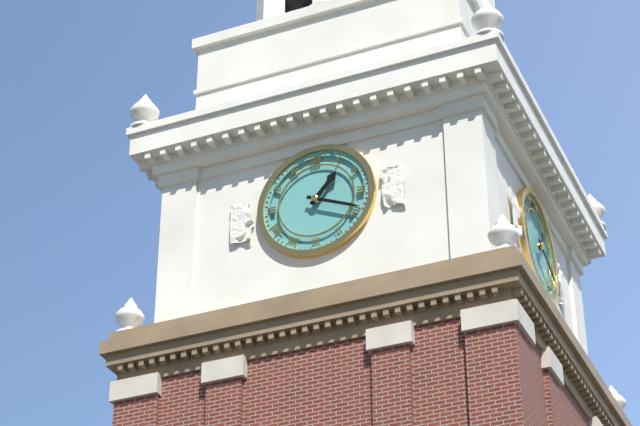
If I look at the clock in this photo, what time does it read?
1:19
